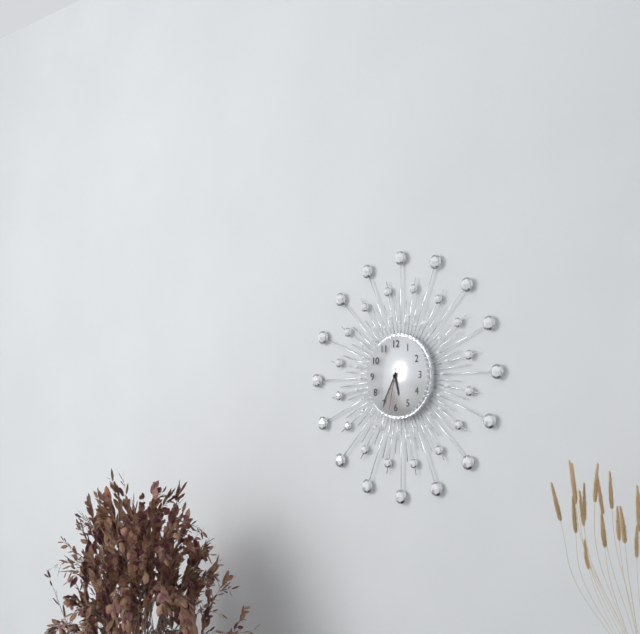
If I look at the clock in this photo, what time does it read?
5:35
